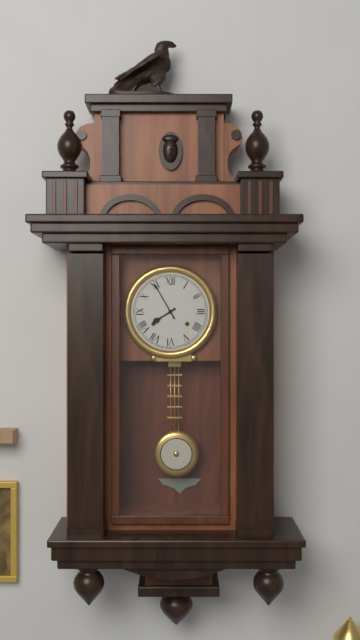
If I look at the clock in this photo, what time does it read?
7:55
